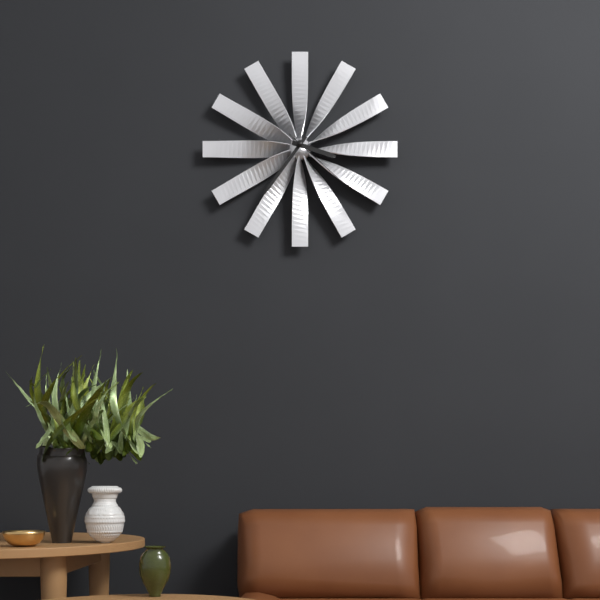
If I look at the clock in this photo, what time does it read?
3:36:22
